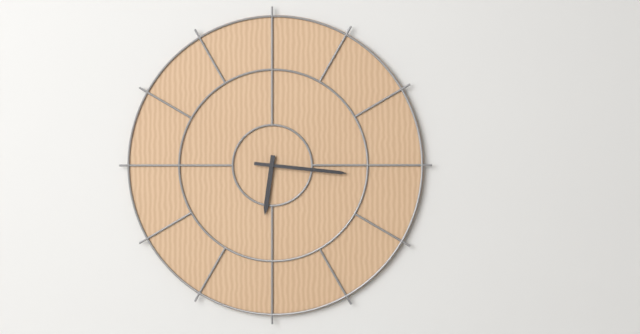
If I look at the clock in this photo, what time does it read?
6:16
